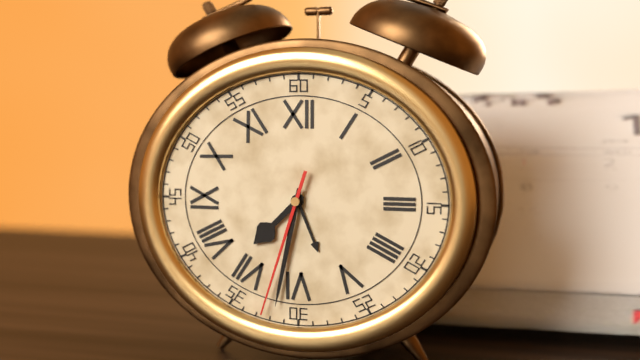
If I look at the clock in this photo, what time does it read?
7:32:33
